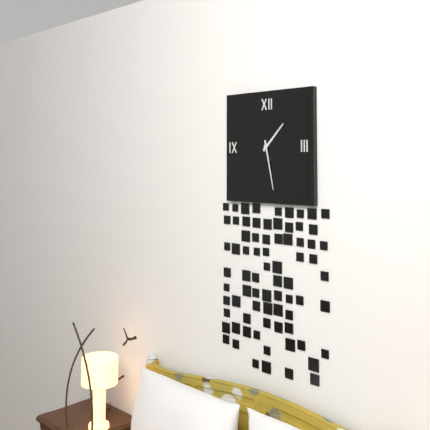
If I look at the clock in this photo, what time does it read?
1:28
